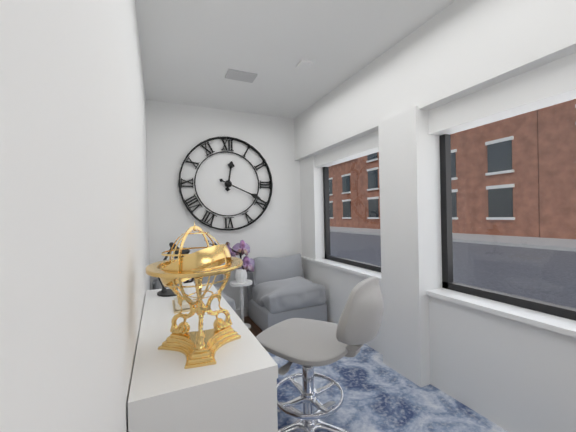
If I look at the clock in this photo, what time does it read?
12:19
